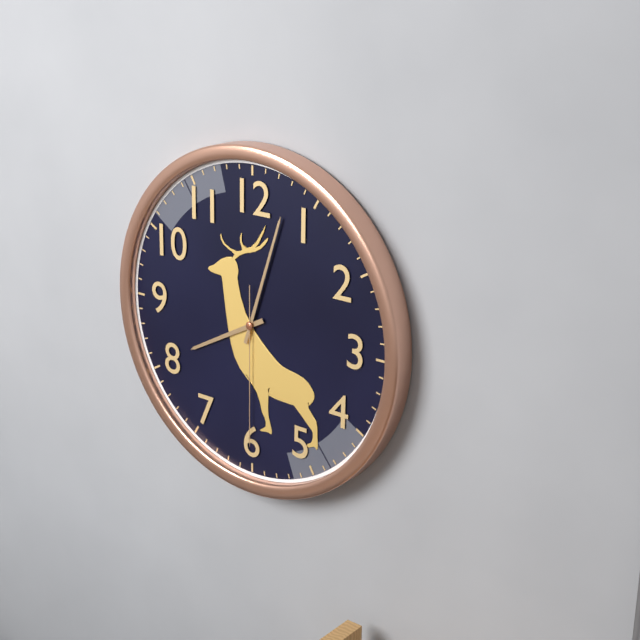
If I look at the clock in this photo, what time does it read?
8:03:30
